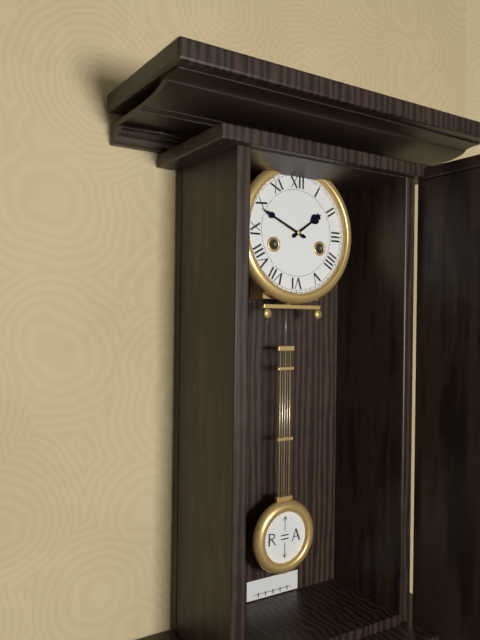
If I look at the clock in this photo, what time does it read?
1:49
